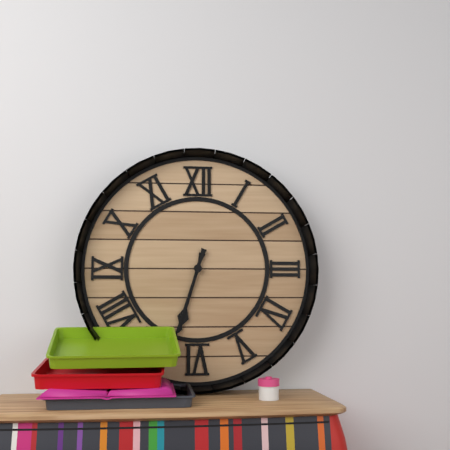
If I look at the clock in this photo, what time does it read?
6:33
